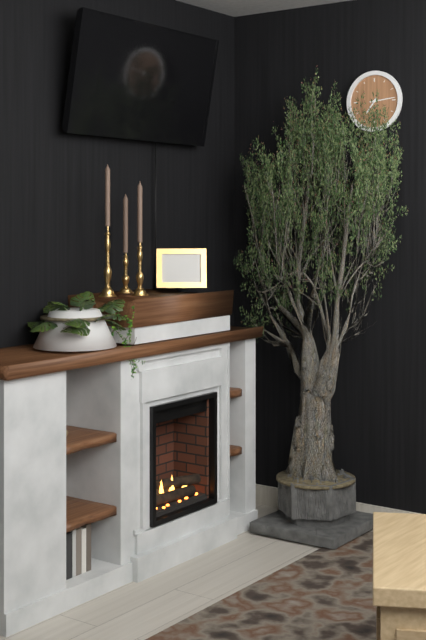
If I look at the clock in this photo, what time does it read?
7:14
